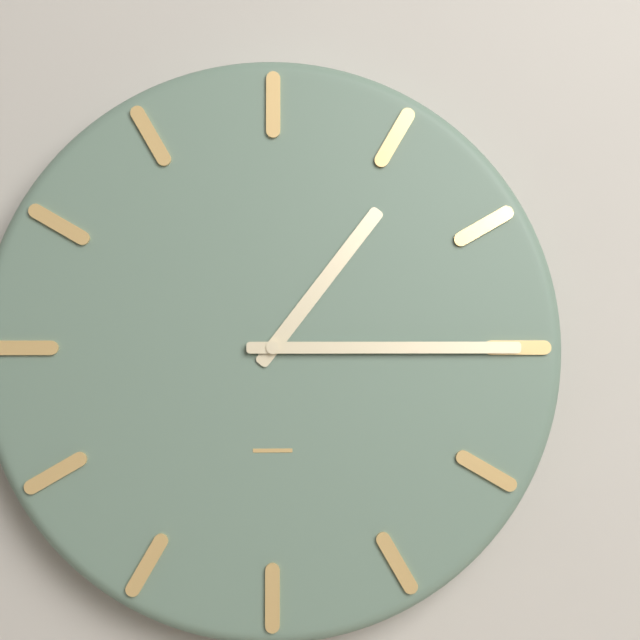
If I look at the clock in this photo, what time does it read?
1:15
